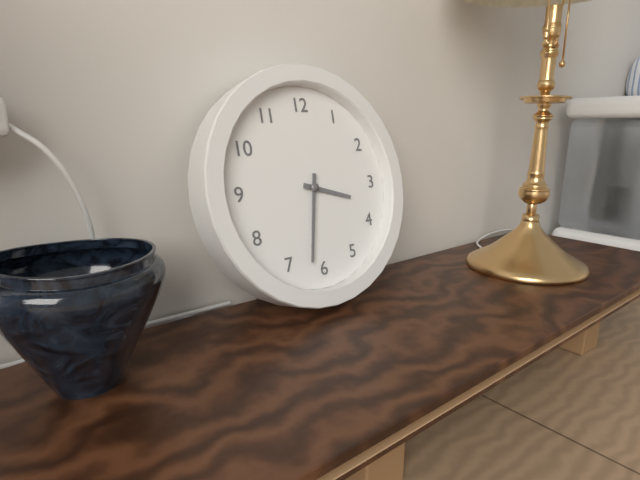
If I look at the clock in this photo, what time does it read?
3:32
